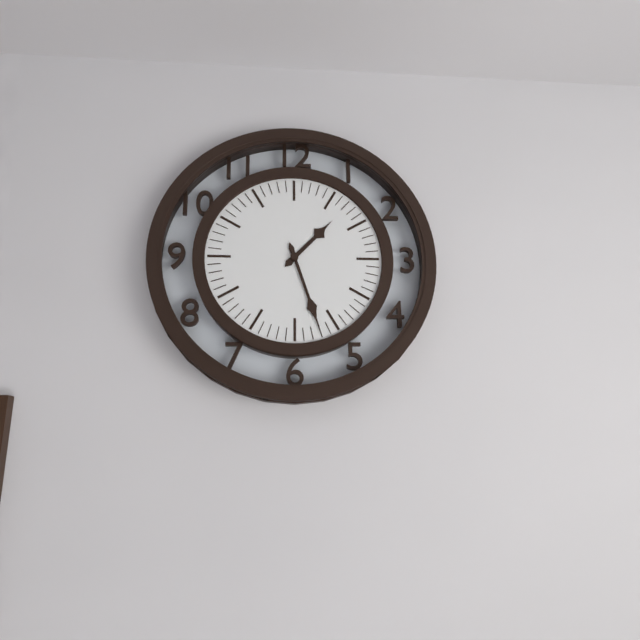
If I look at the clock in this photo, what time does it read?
1:27
